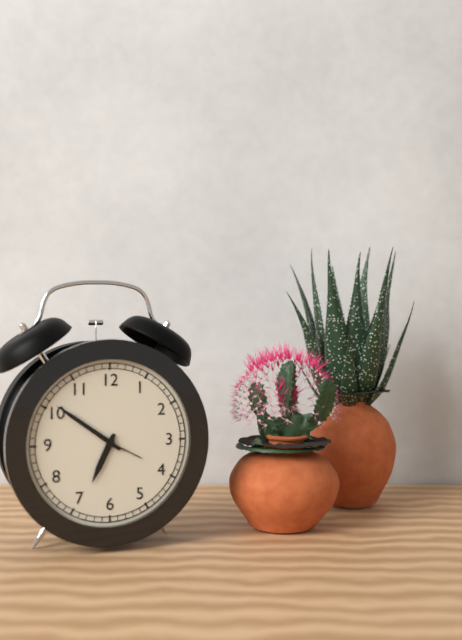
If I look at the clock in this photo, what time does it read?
6:51
